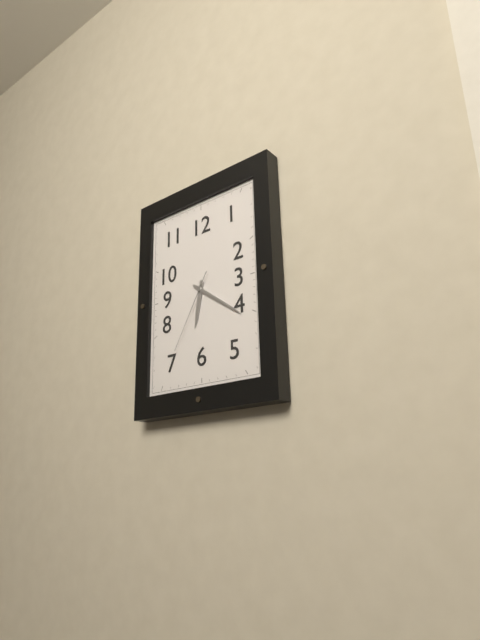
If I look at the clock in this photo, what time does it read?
6:21:35
